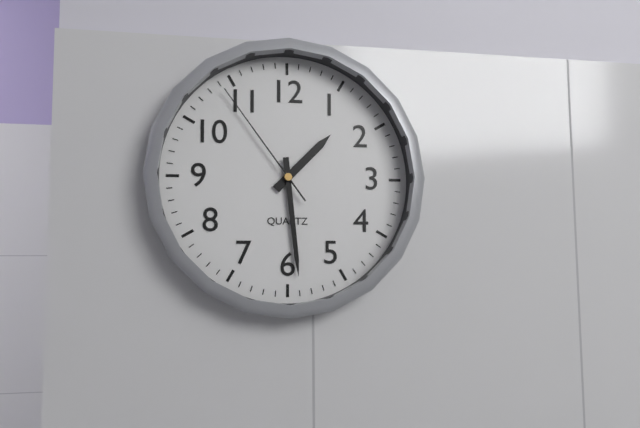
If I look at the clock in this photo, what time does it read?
1:29:54
